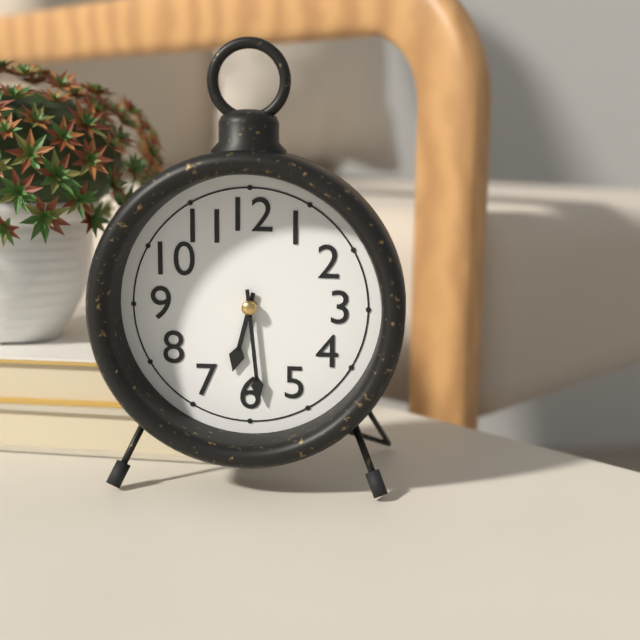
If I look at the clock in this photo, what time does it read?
6:29
